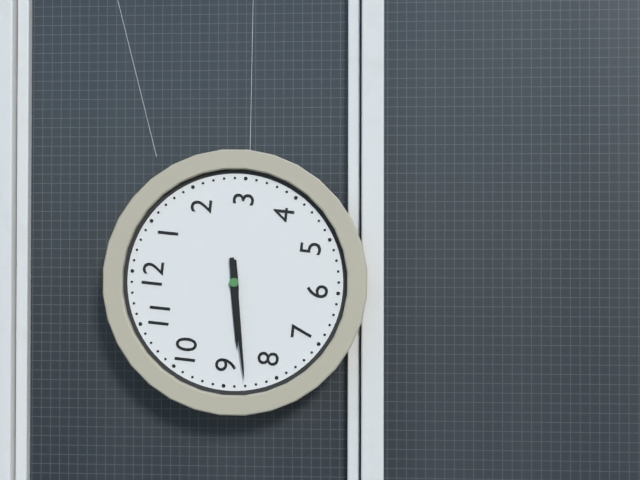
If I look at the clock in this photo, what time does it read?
8:43
